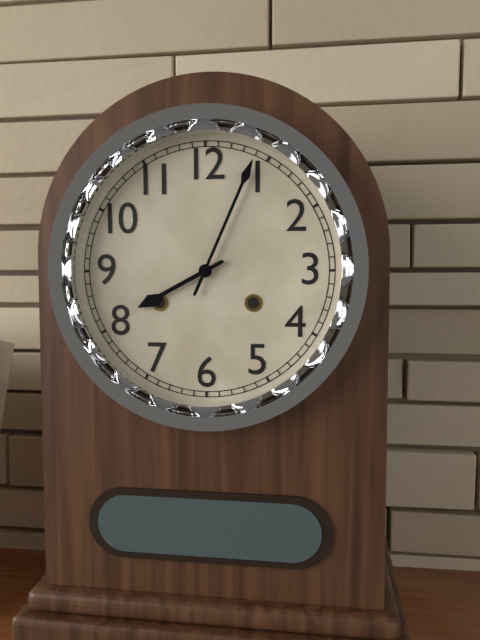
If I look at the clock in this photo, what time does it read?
8:04
